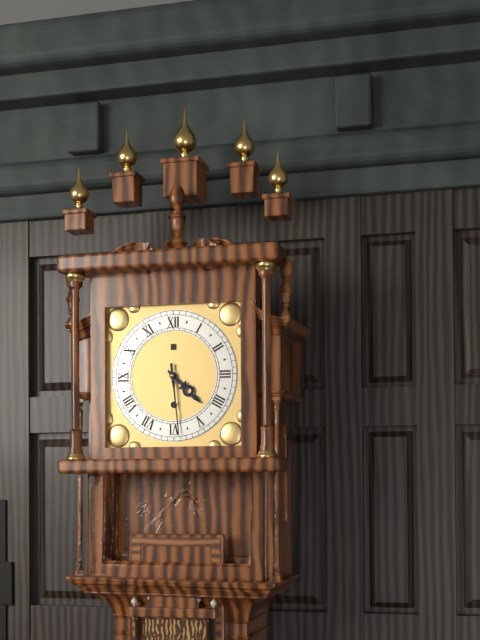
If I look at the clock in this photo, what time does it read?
4:29
